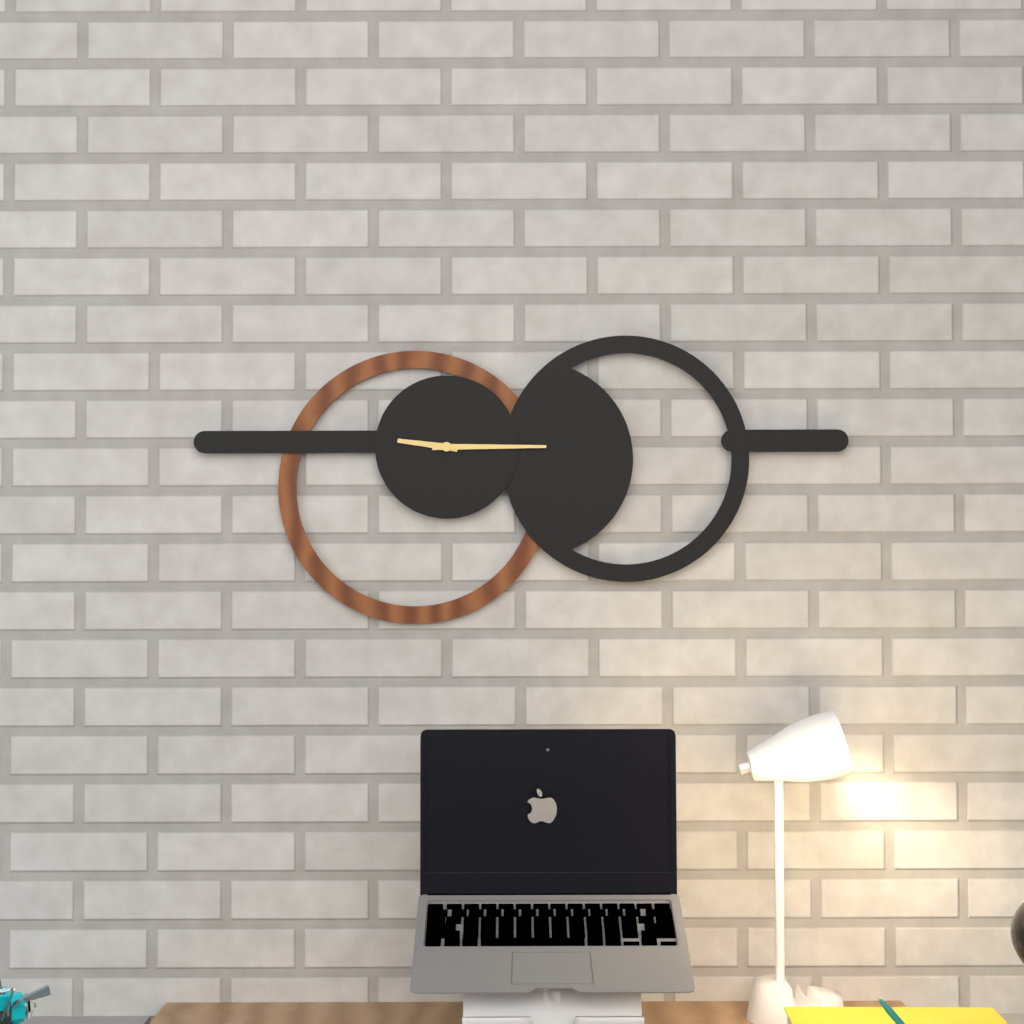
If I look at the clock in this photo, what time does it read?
9:15
